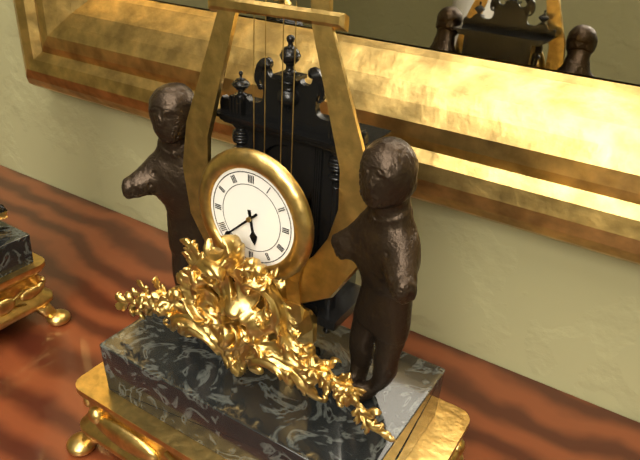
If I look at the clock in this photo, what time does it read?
5:38
